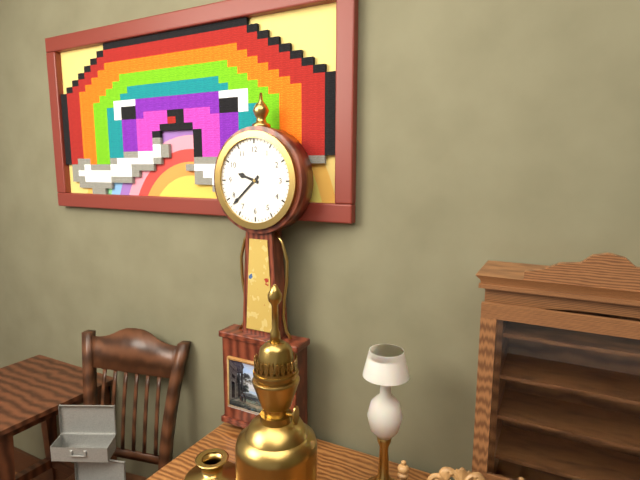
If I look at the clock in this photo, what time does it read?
9:38
